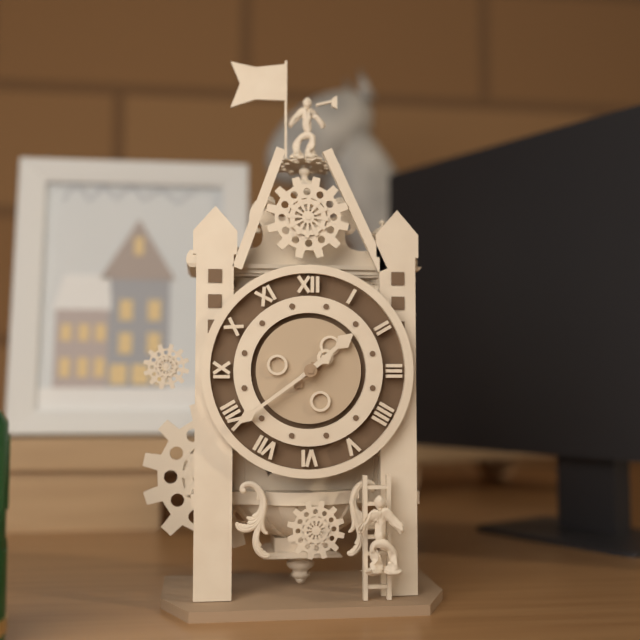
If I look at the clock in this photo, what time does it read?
1:39
